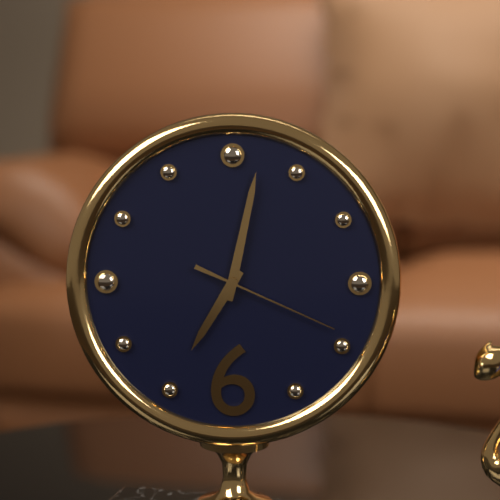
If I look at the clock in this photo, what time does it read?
7:02:19
